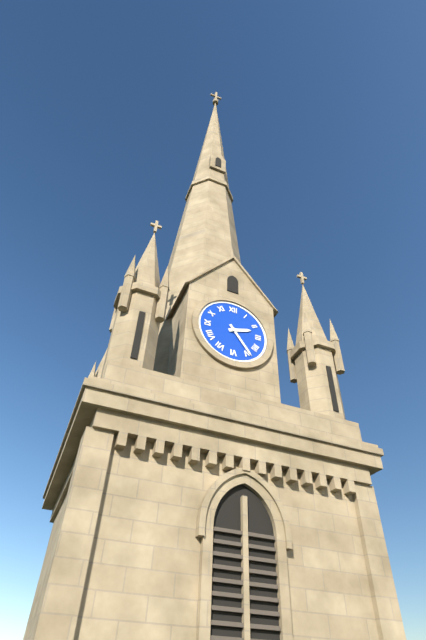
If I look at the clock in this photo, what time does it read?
2:24
